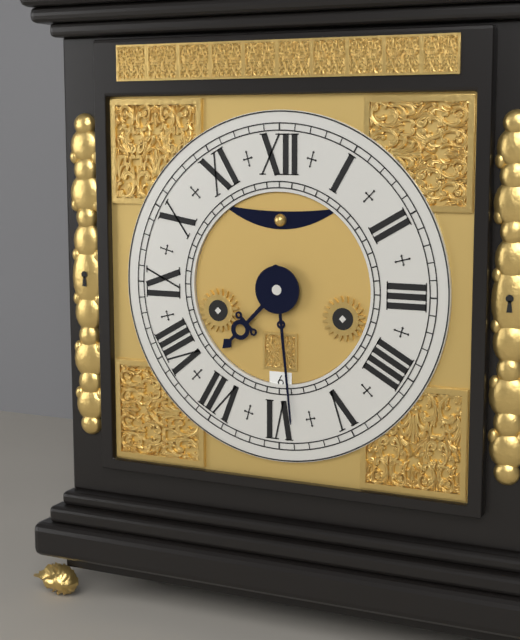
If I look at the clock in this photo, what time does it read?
7:29
